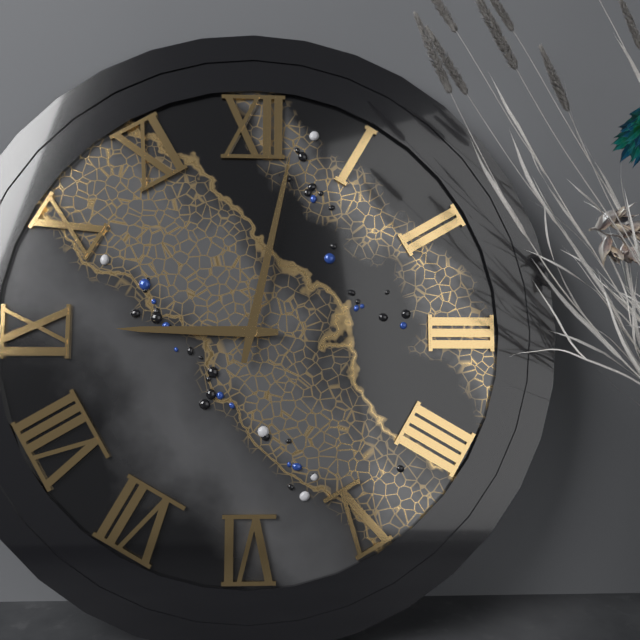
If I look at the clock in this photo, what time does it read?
9:02
